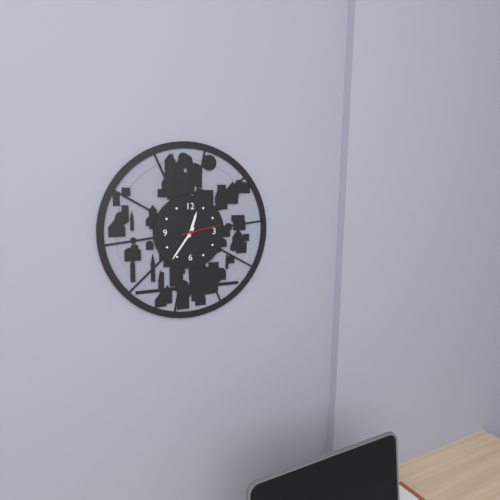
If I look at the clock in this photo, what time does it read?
12:36
